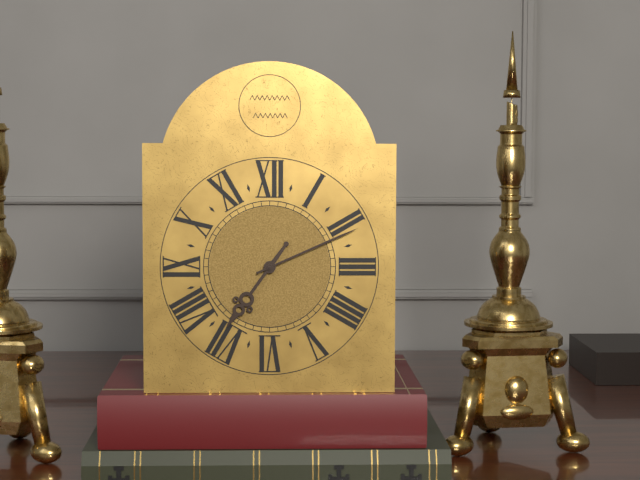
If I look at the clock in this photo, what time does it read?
7:11
